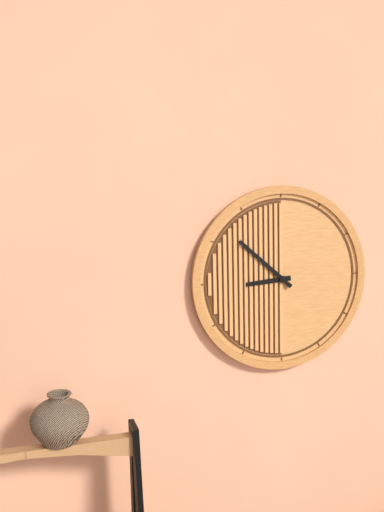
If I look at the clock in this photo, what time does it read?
8:52
